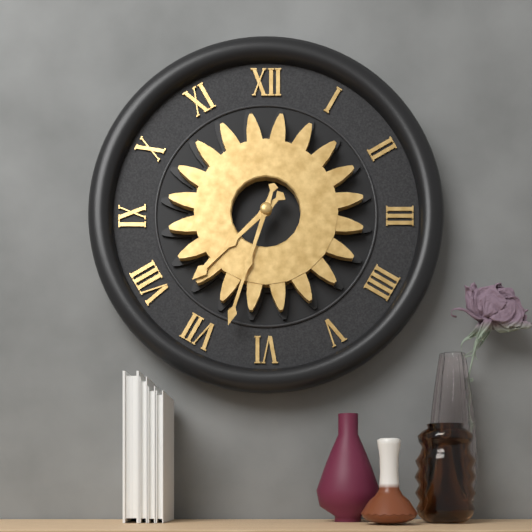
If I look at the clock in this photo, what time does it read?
7:33
